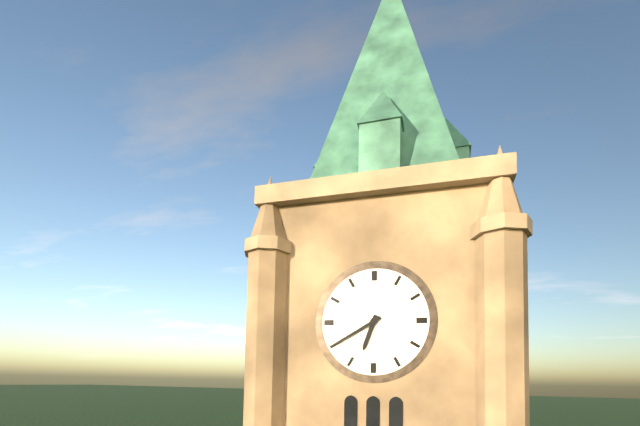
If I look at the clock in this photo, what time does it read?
6:40
